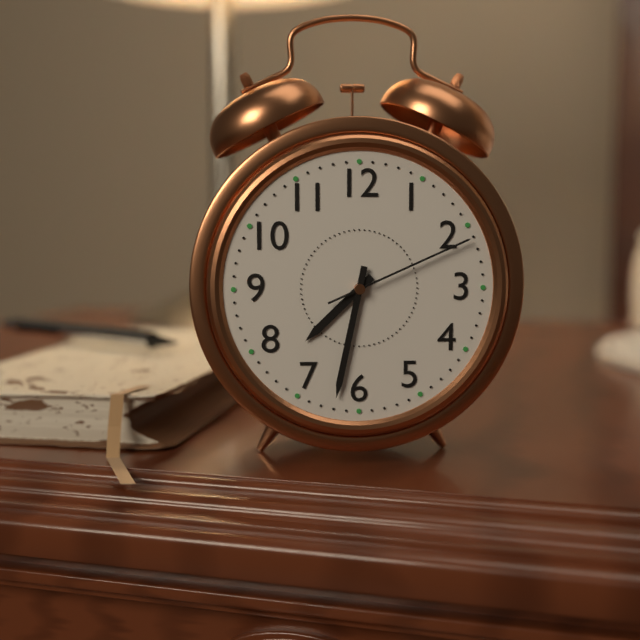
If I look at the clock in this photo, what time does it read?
7:32:11
